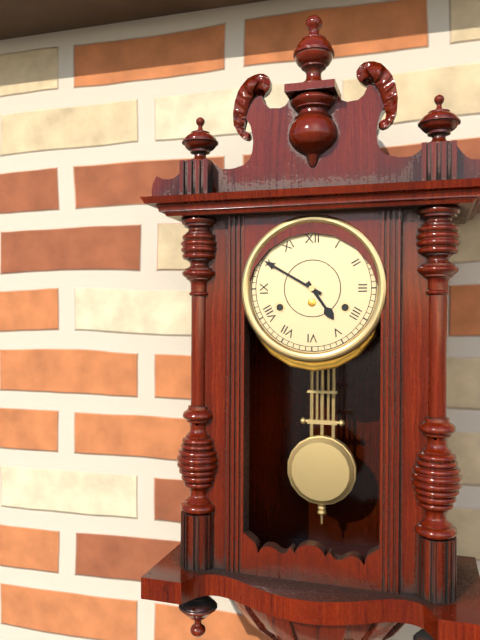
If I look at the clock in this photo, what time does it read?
4:50
